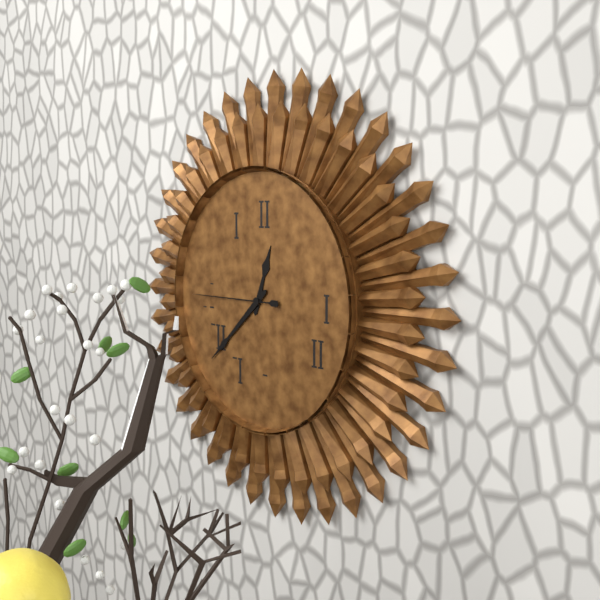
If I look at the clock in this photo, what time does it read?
12:38:45
